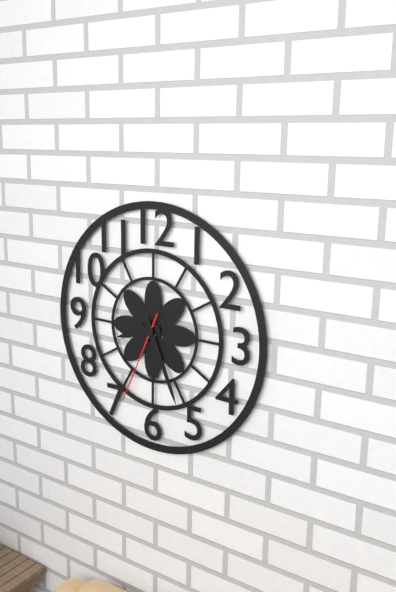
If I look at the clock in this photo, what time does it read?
8:26:34
